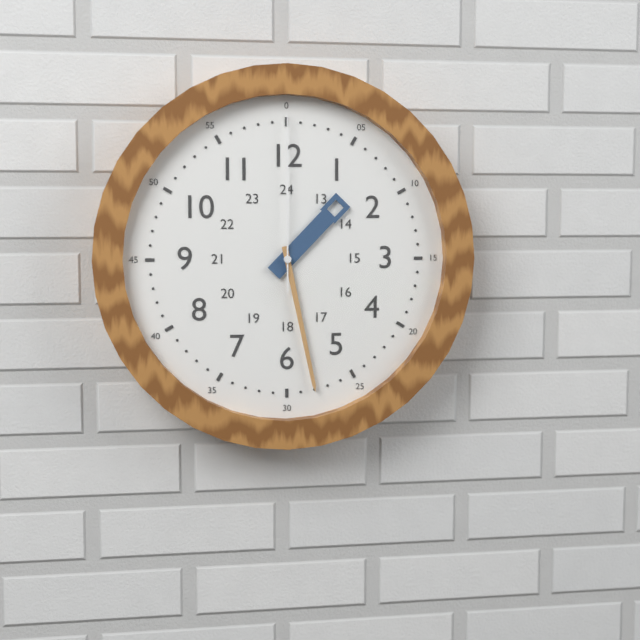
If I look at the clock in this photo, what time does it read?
1:28:00
